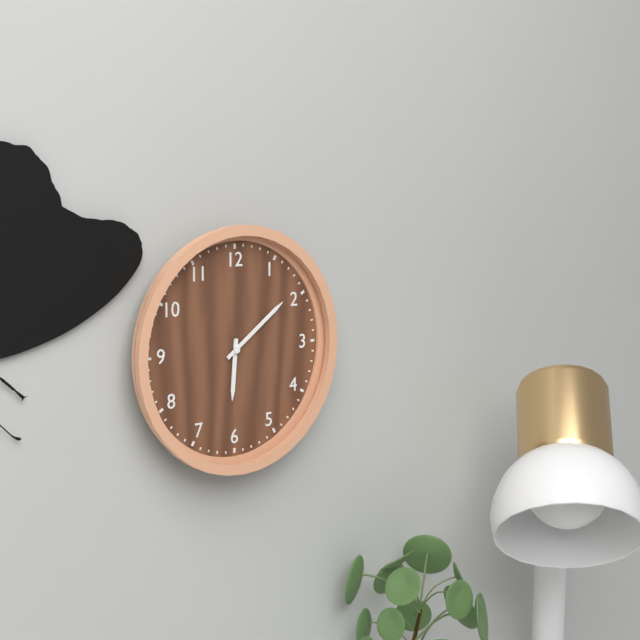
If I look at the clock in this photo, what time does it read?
6:09
